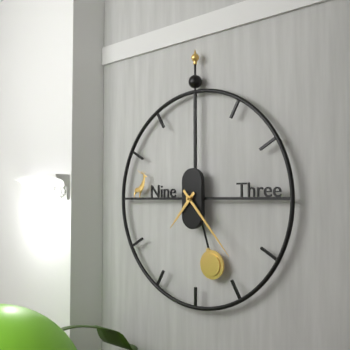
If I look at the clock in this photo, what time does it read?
7:23
